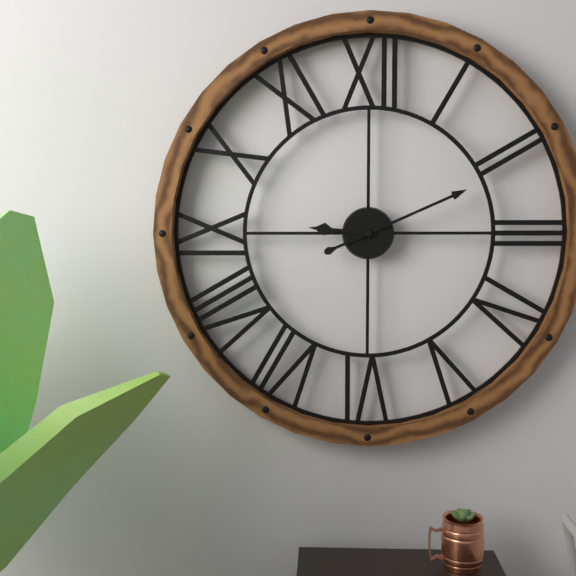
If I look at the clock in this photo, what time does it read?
9:11
